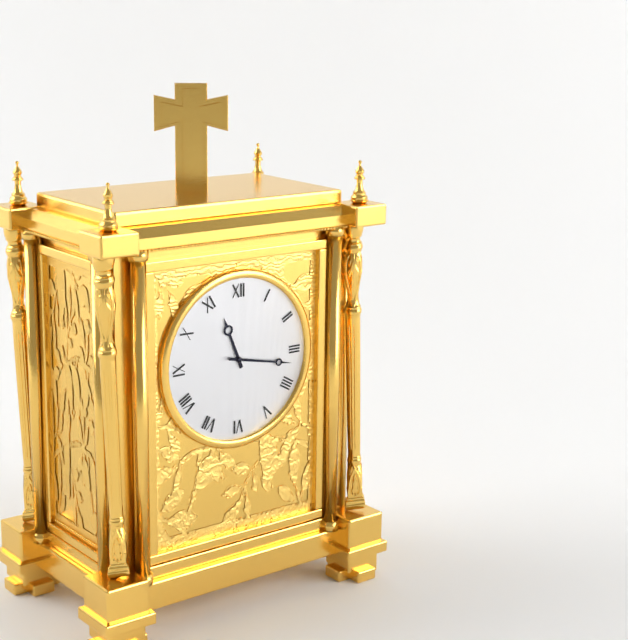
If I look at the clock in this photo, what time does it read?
11:17
